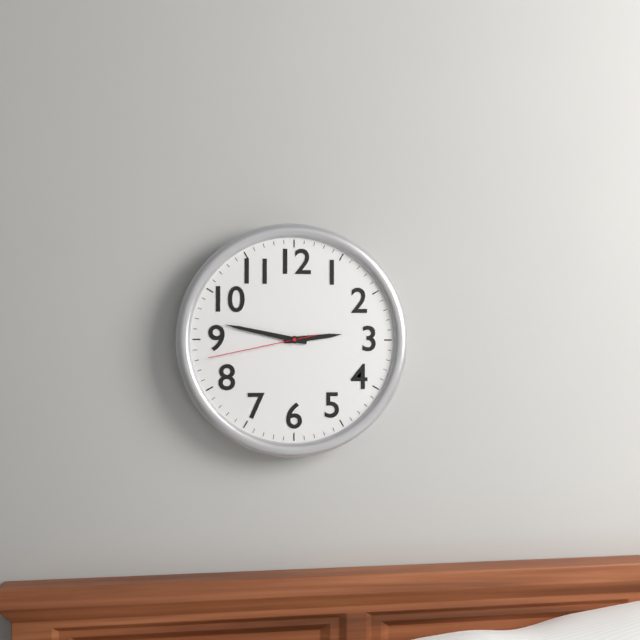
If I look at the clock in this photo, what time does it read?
2:47:43
